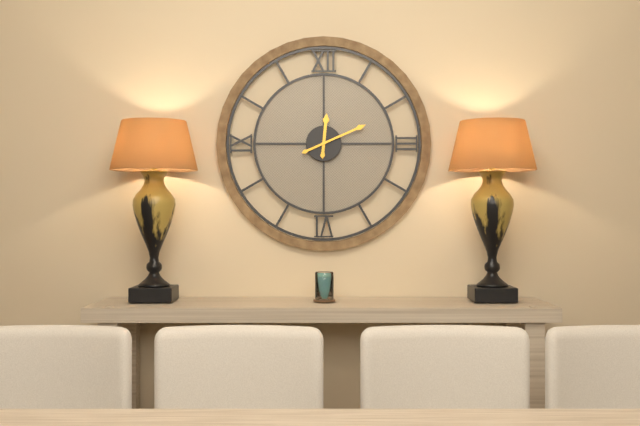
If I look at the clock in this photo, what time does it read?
12:11
